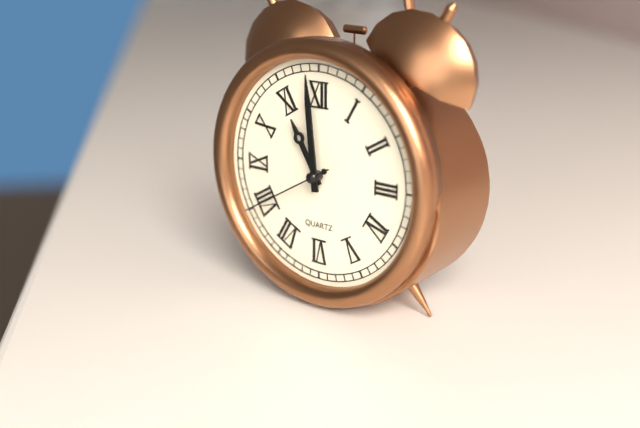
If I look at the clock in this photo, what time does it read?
10:59:40
